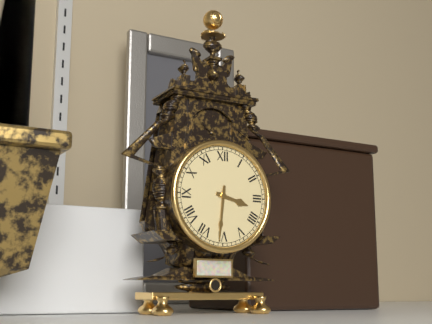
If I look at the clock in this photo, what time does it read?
3:31
